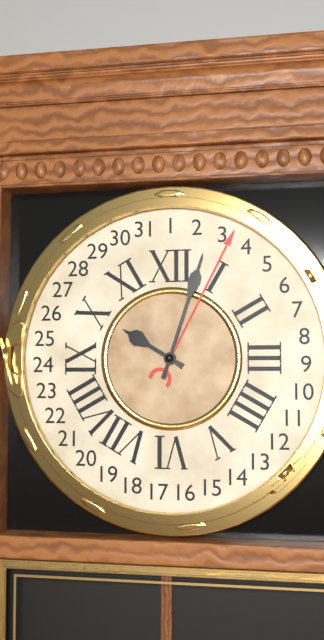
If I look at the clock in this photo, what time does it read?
10:03
